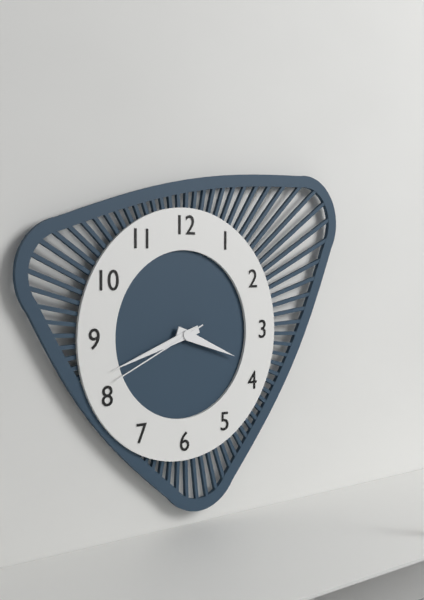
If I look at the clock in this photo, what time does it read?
3:42:41
